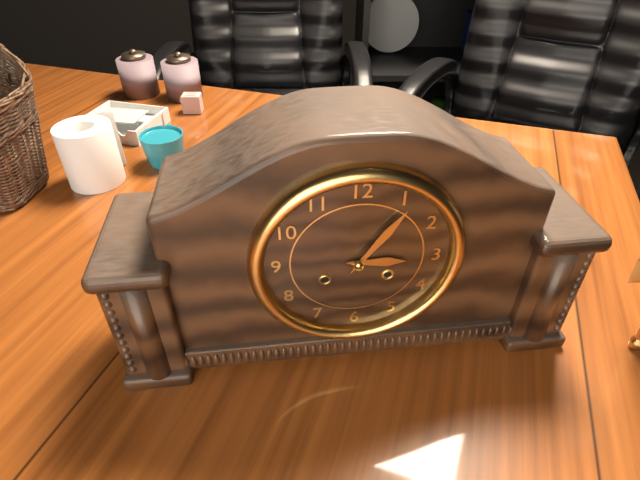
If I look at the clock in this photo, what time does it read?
3:06
